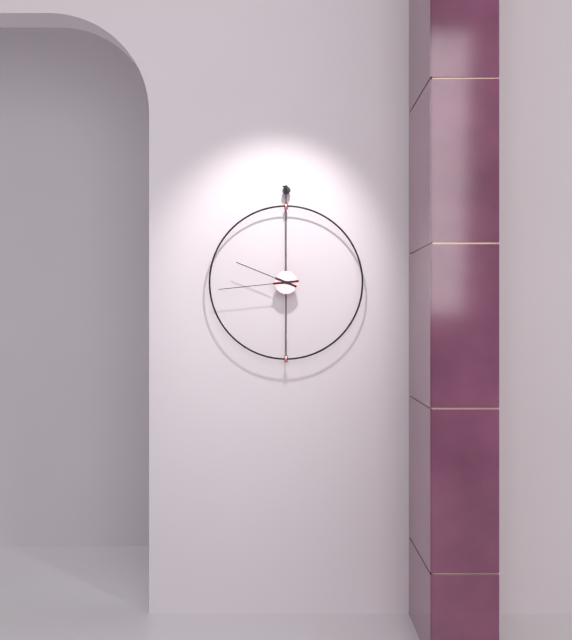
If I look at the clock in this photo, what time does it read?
9:44
